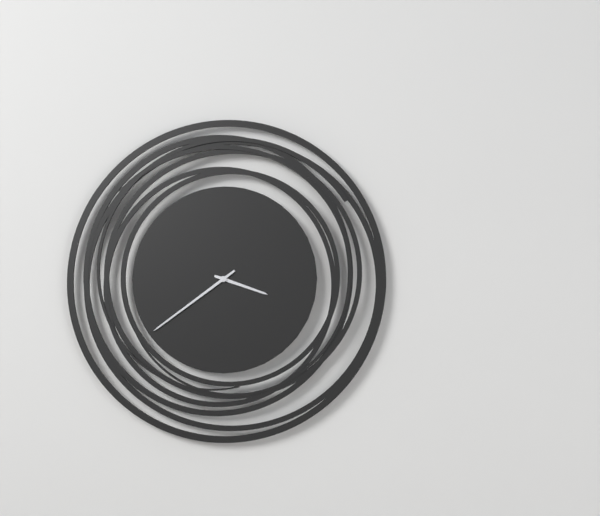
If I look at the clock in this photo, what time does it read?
3:39
